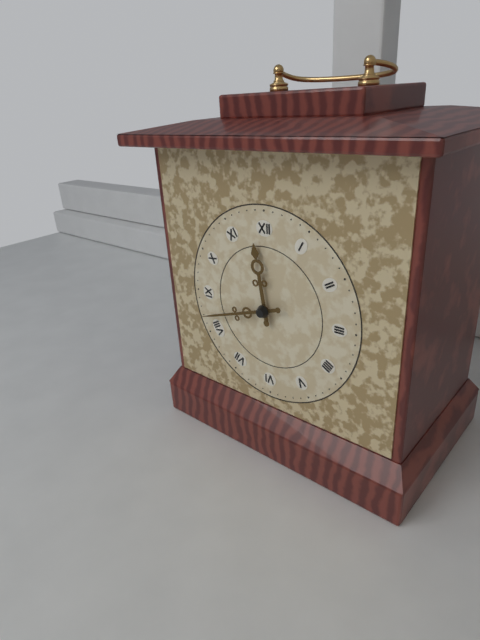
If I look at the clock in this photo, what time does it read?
11:42
